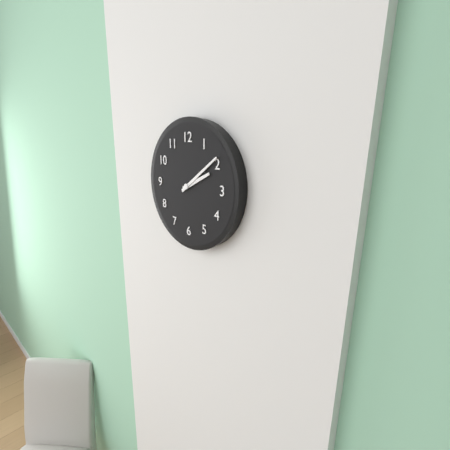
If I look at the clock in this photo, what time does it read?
2:09
